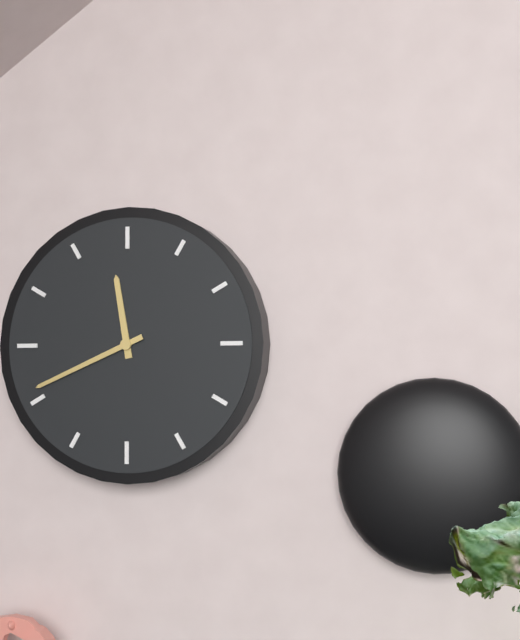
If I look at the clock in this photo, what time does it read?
11:41
